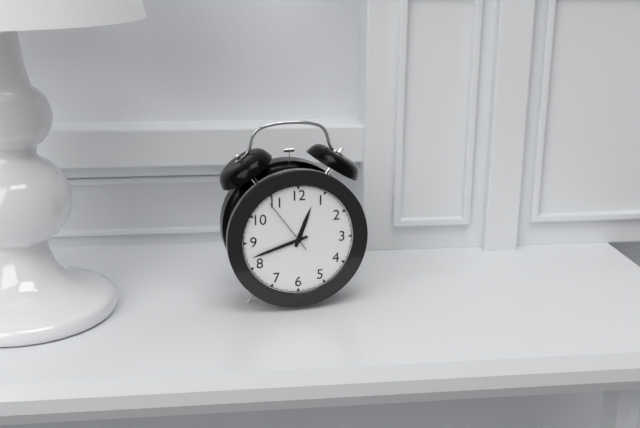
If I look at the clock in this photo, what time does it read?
12:42:54
